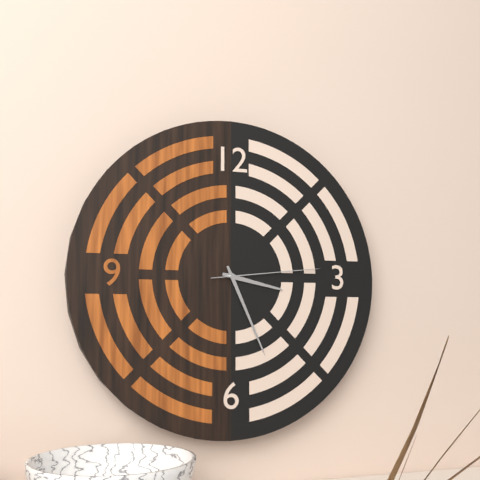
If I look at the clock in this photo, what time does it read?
3:26:14
